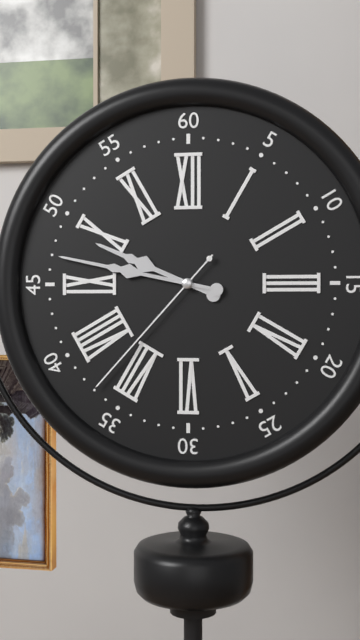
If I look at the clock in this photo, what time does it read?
9:47:37
